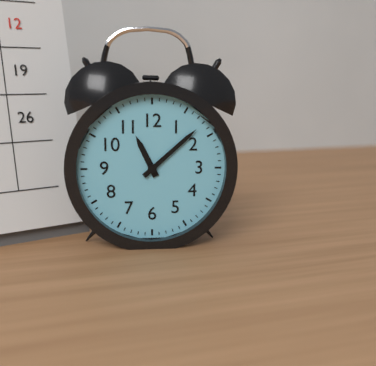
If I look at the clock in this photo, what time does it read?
11:08
